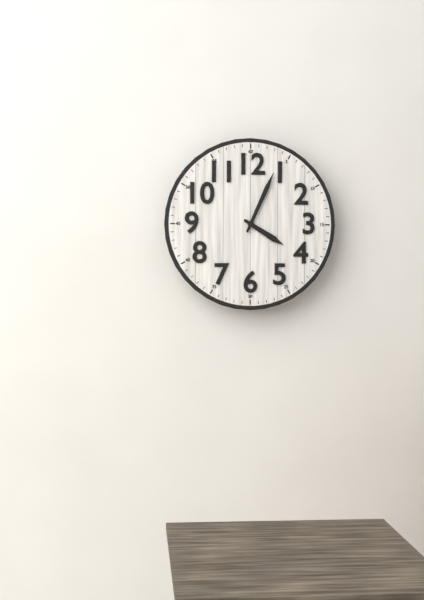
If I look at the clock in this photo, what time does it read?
4:04
